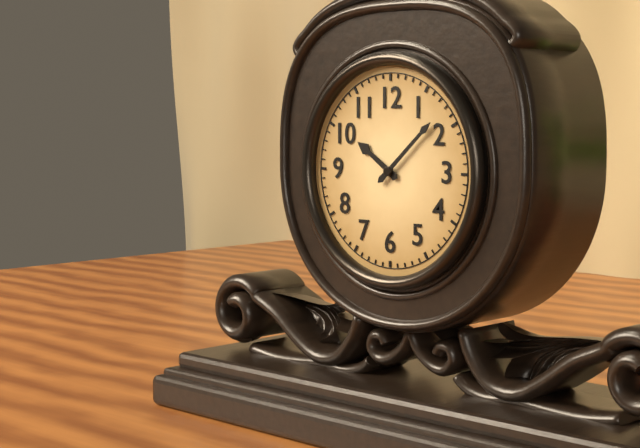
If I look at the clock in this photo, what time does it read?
10:08
